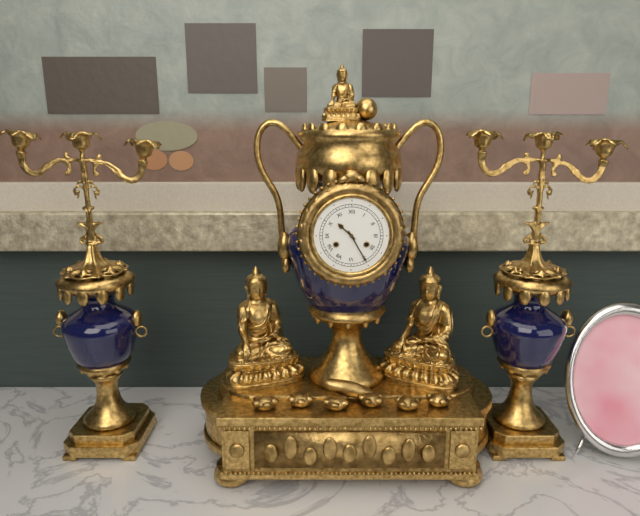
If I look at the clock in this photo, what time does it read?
10:25
